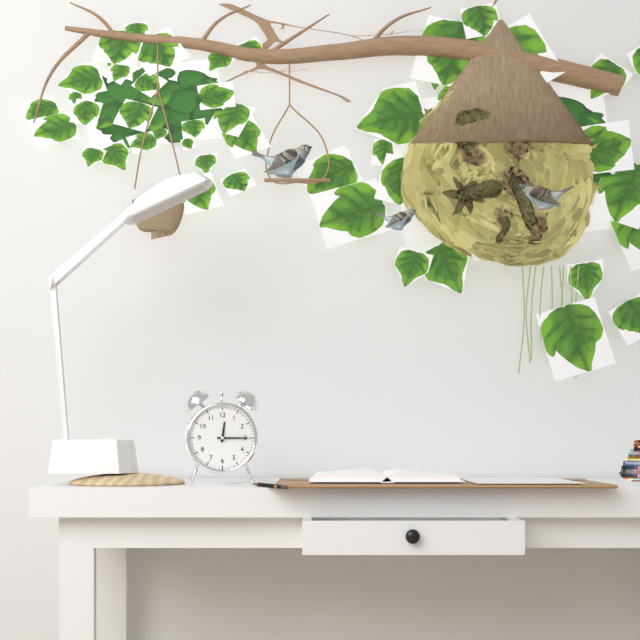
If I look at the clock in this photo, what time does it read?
12:15
